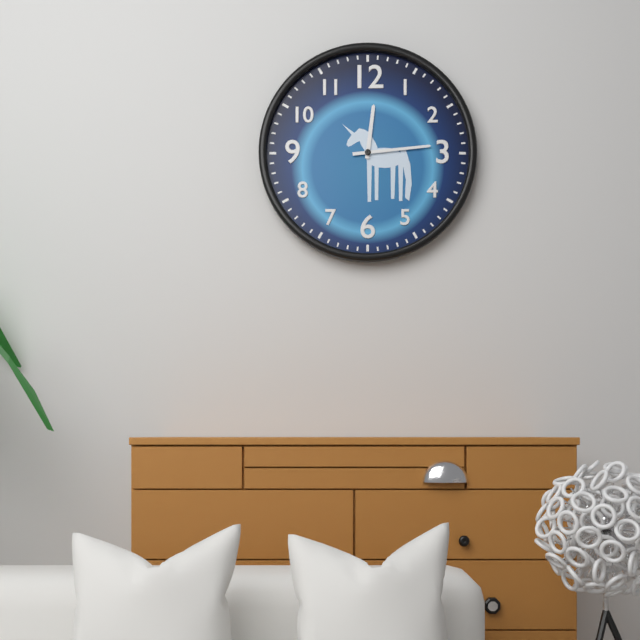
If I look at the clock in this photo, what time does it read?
12:14
